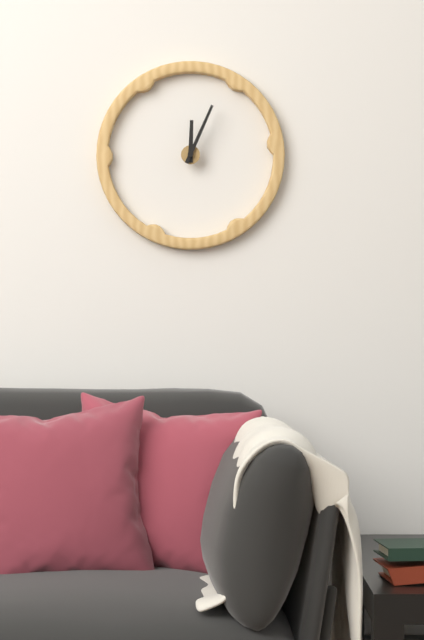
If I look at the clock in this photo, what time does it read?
12:04
